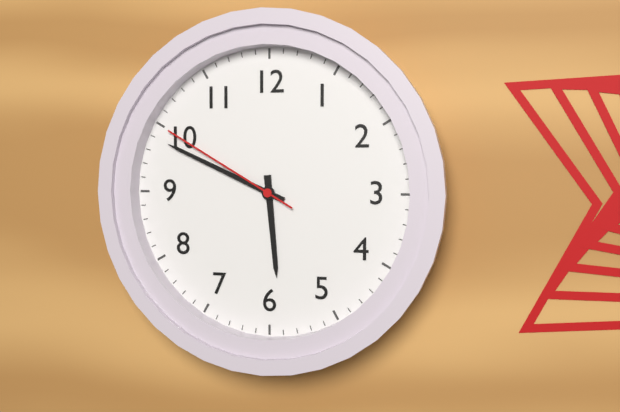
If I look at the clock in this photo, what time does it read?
5:49:50
